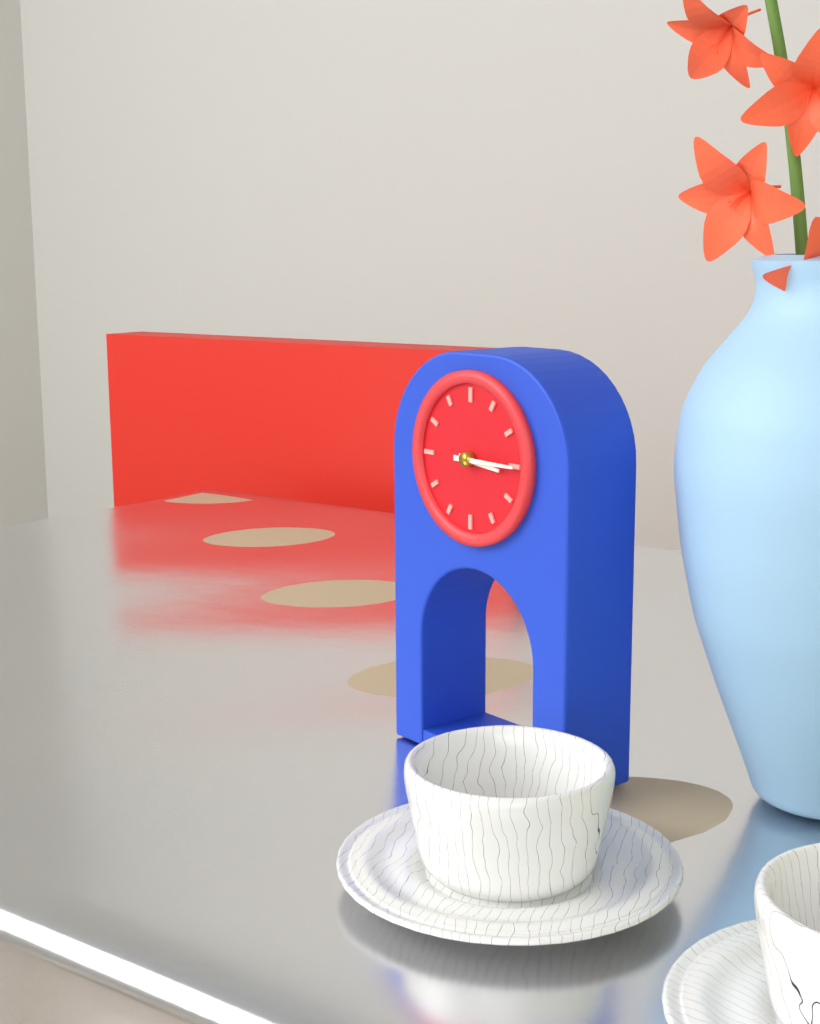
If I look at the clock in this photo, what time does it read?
3:15
